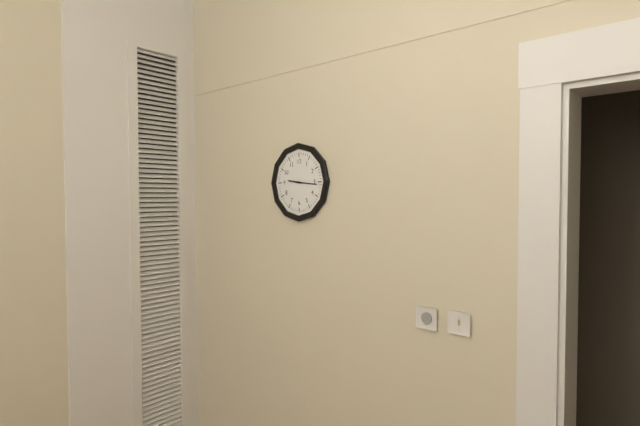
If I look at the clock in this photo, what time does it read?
9:16
